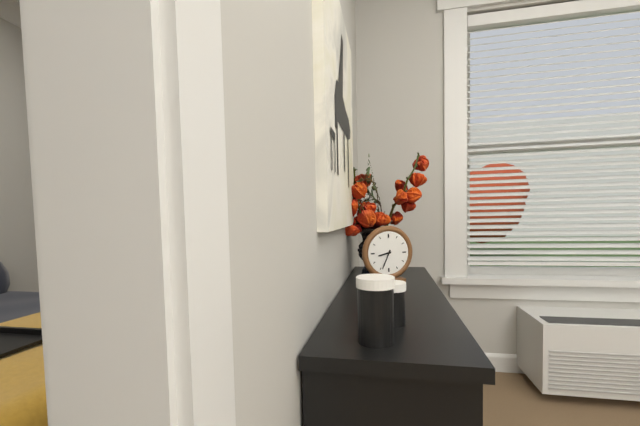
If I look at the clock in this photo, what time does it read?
8:34
